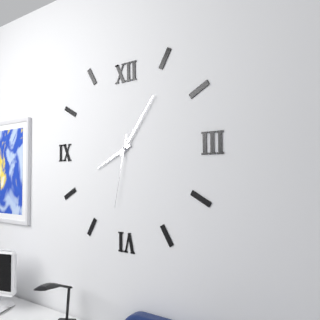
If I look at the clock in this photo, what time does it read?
8:06:32
